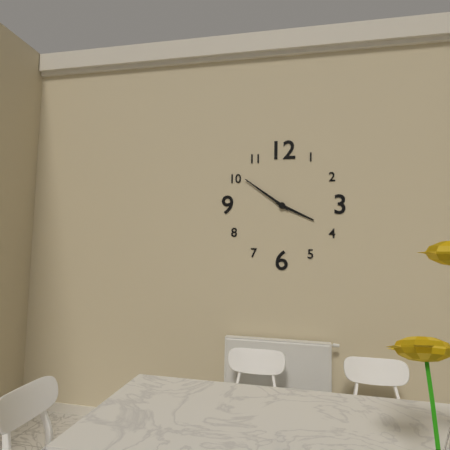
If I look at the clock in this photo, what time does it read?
3:51
